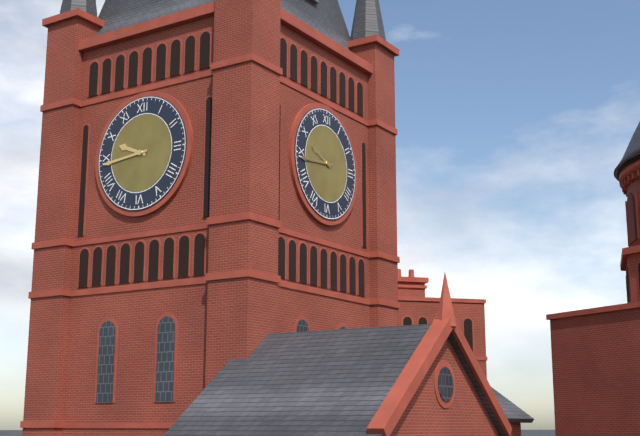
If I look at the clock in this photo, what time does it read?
9:44
